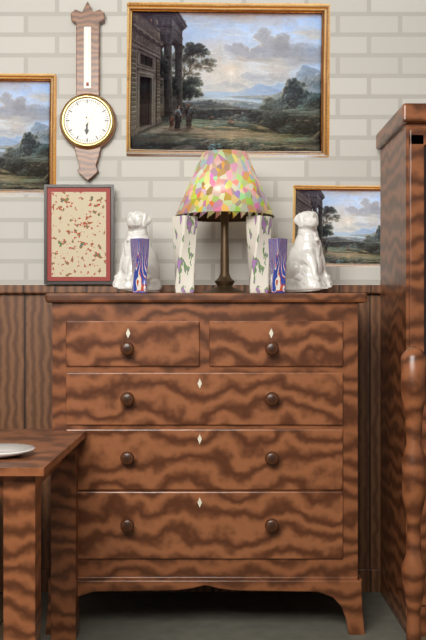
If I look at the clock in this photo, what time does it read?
6:05
